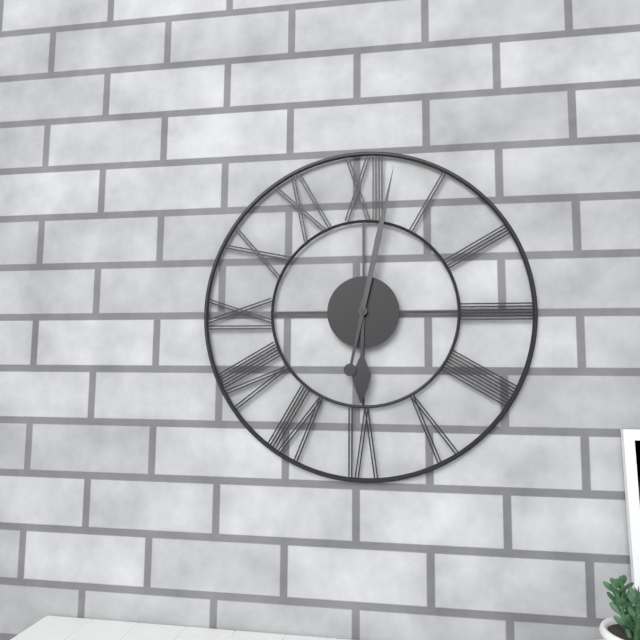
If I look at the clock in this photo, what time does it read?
6:02
